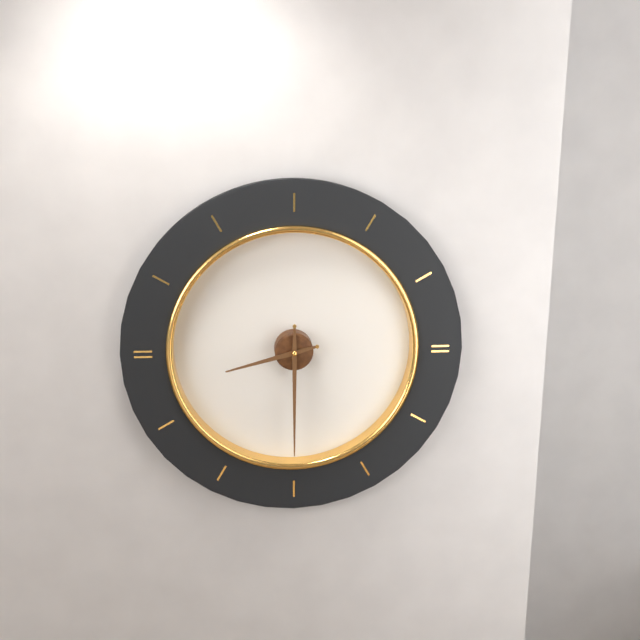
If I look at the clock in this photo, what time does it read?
8:30
